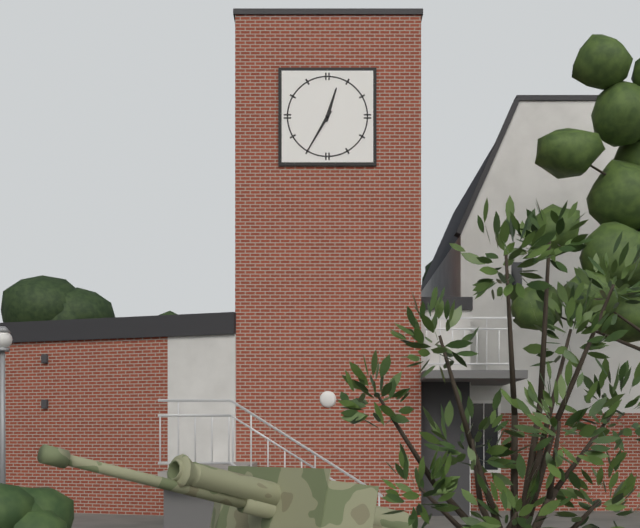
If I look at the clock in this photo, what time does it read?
12:35
